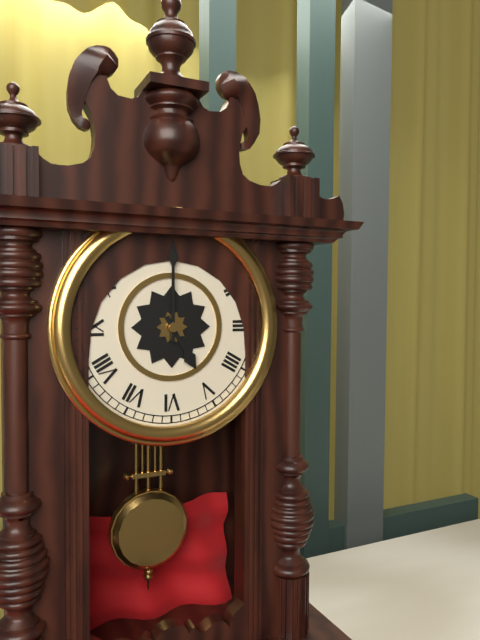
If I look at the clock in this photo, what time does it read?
5:00
